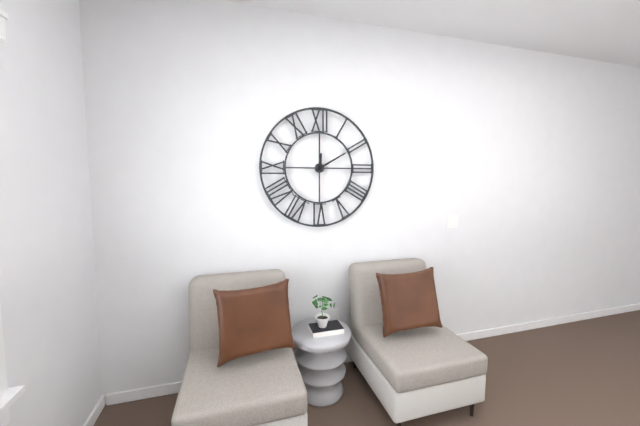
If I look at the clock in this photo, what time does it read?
12:10
